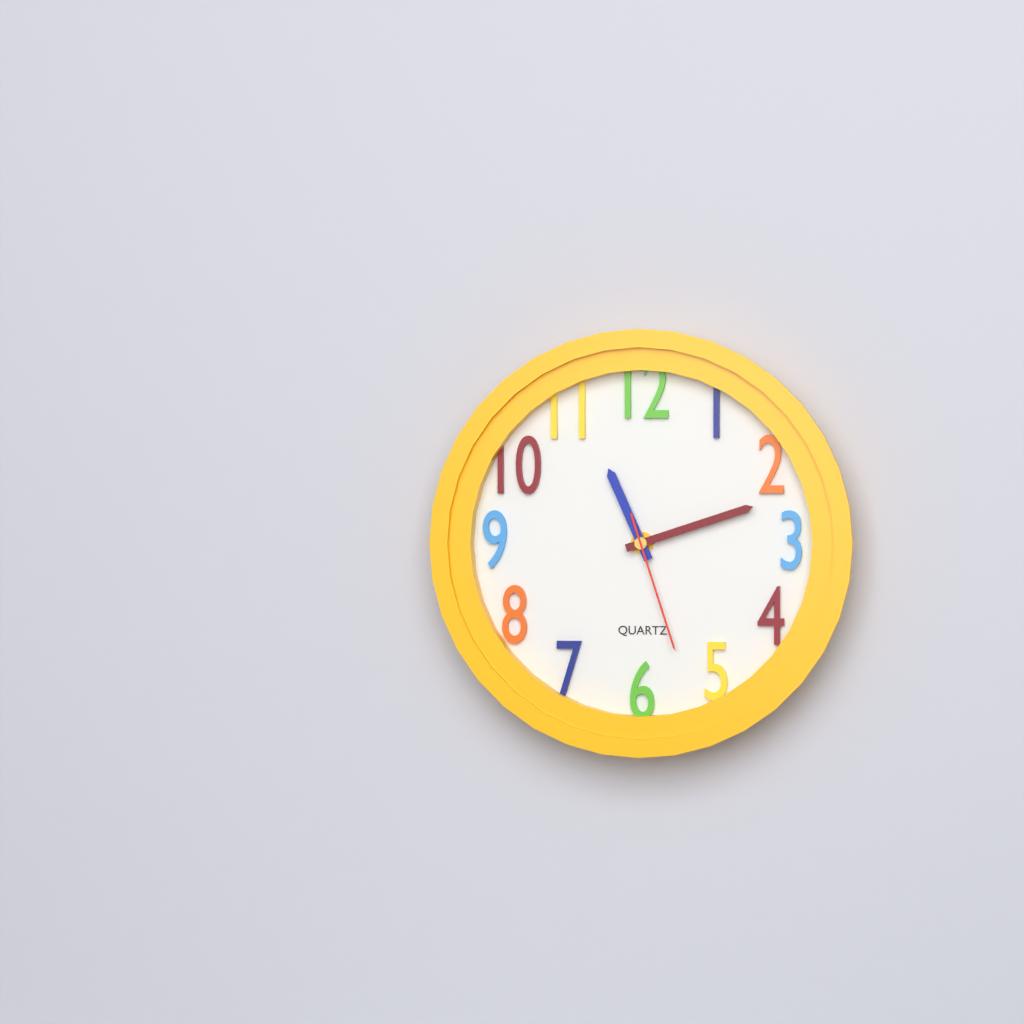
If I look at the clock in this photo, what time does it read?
11:12:27
